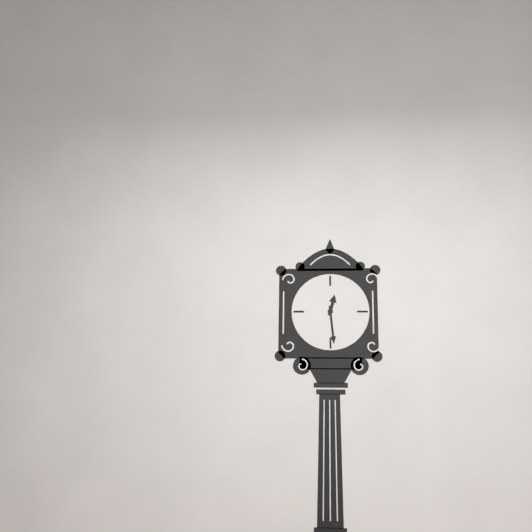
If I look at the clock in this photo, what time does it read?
12:29
